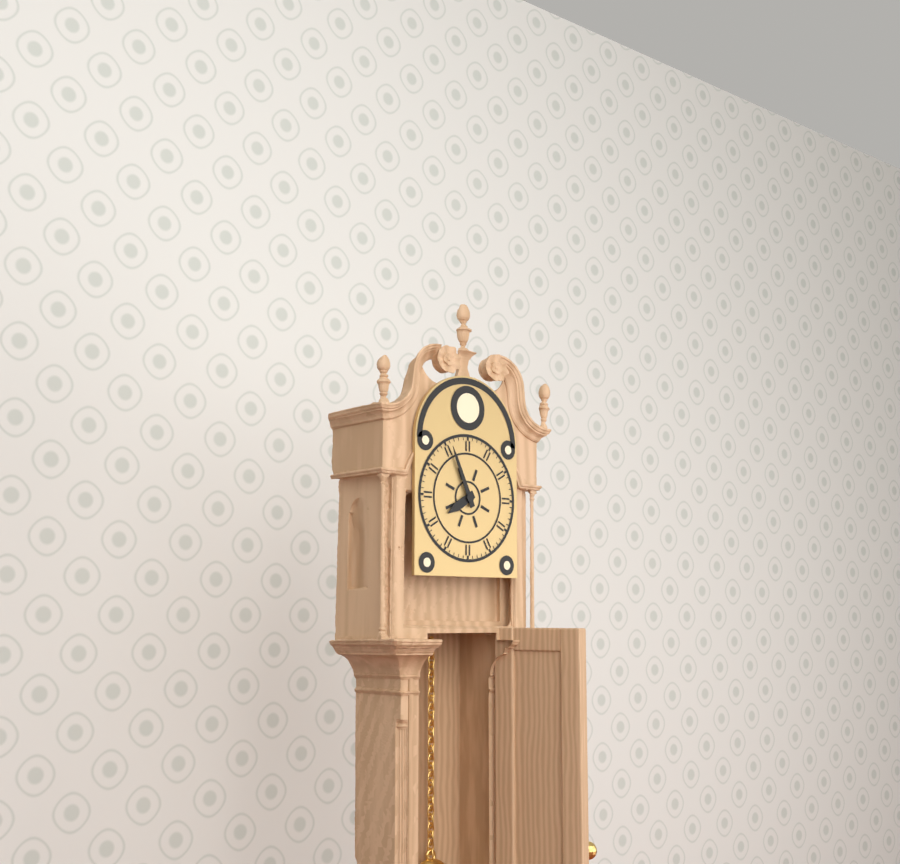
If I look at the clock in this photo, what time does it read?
7:56
